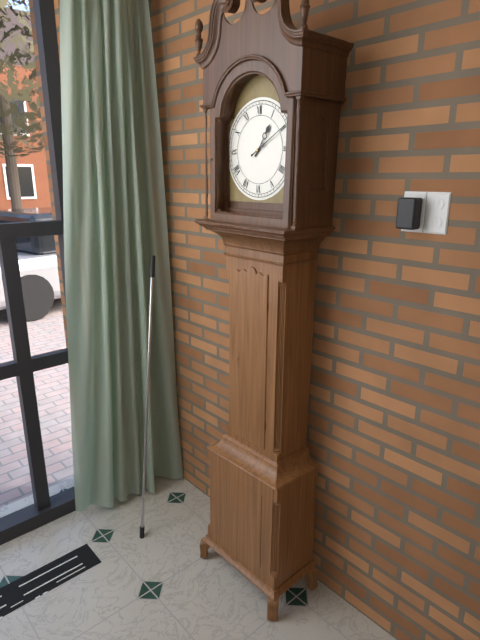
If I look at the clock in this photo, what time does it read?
1:10
